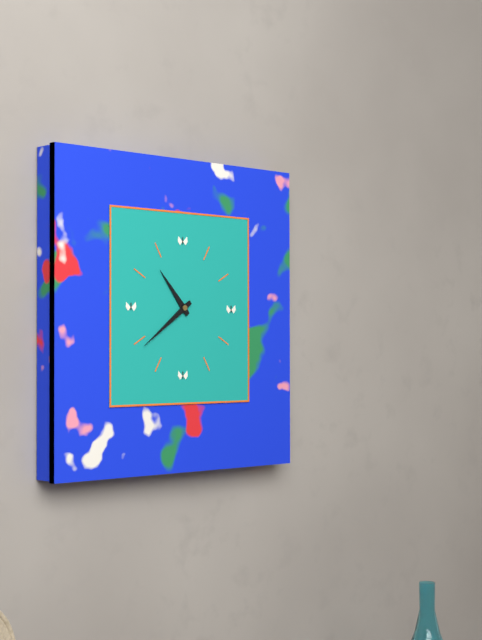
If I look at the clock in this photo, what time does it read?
10:39
